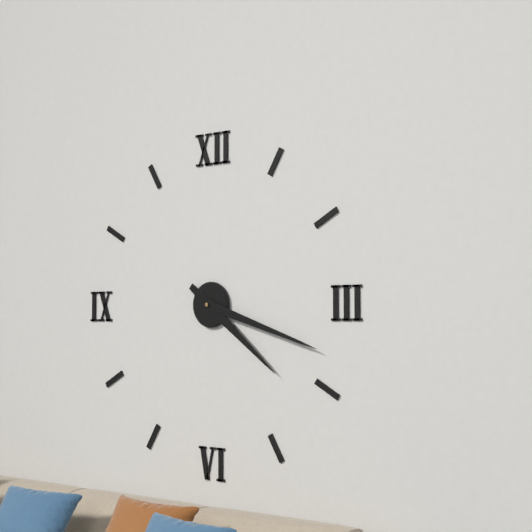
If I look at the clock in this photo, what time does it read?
4:18
